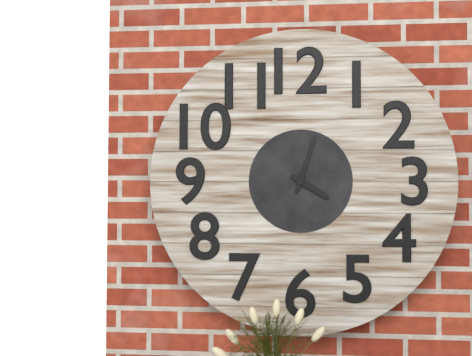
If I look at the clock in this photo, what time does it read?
4:03
